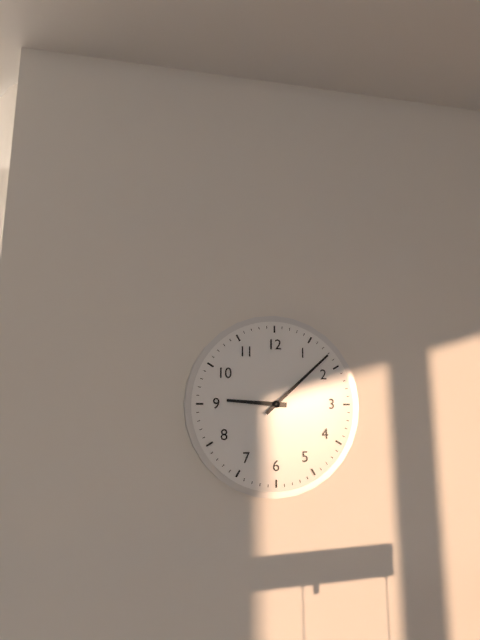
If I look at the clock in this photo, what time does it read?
9:08
